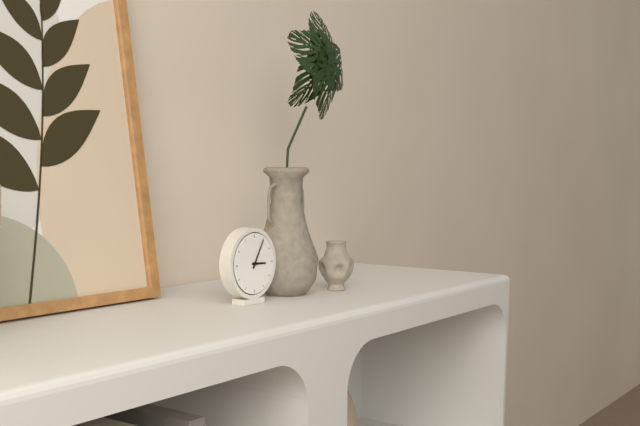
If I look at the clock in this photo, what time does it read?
3:05
